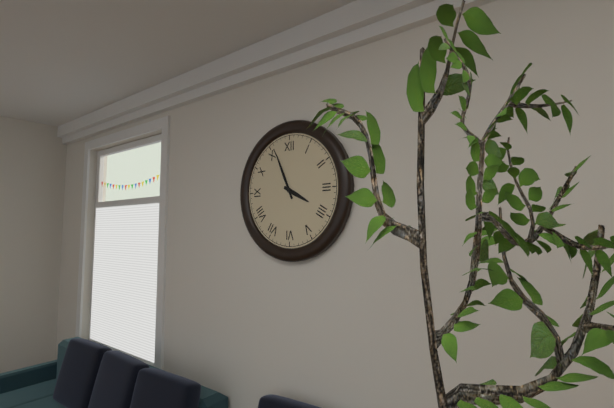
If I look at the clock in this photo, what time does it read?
3:56
